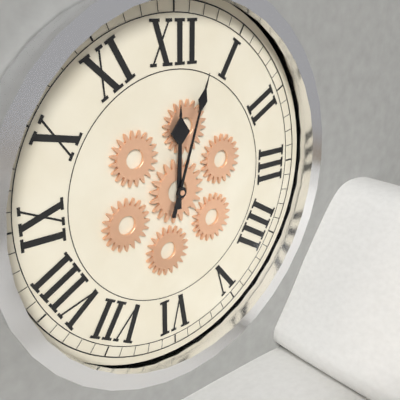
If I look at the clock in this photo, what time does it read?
12:03
